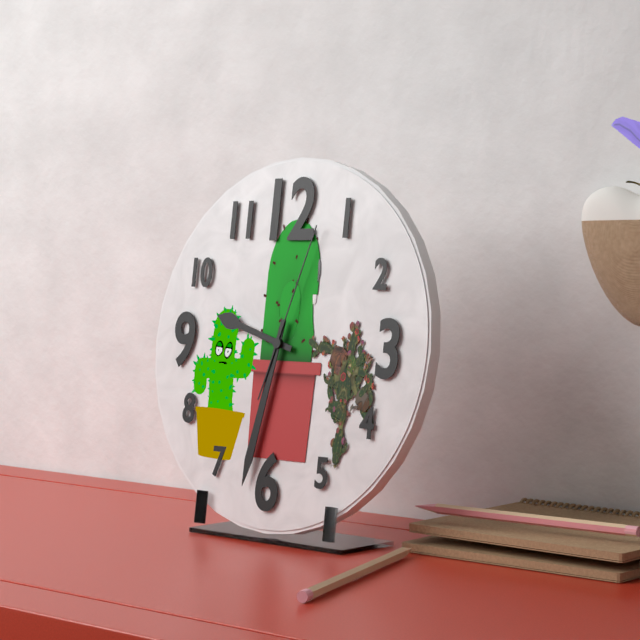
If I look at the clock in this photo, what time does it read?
9:32:03
